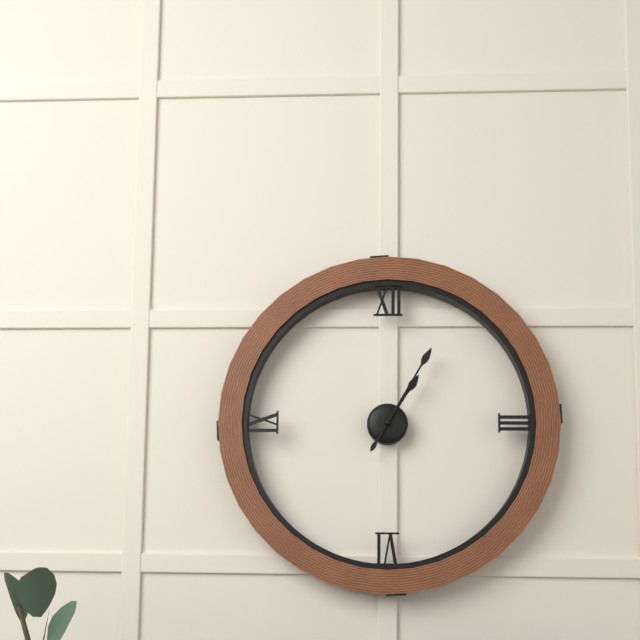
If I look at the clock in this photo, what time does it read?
1:05
